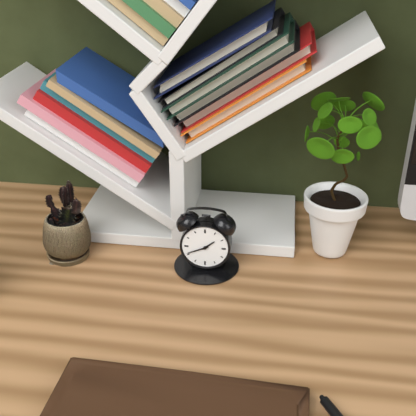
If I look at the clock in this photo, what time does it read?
1:41
